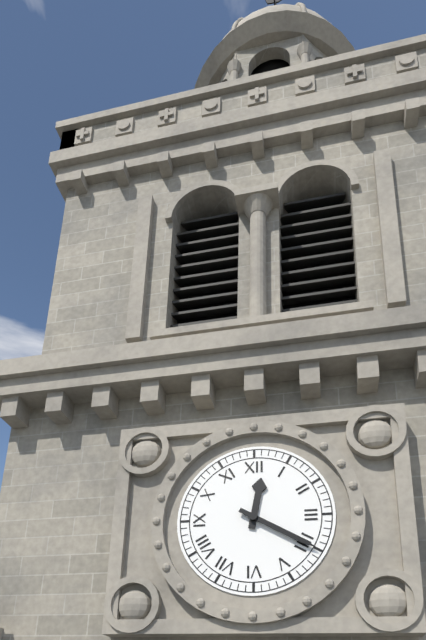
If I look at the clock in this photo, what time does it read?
12:20
